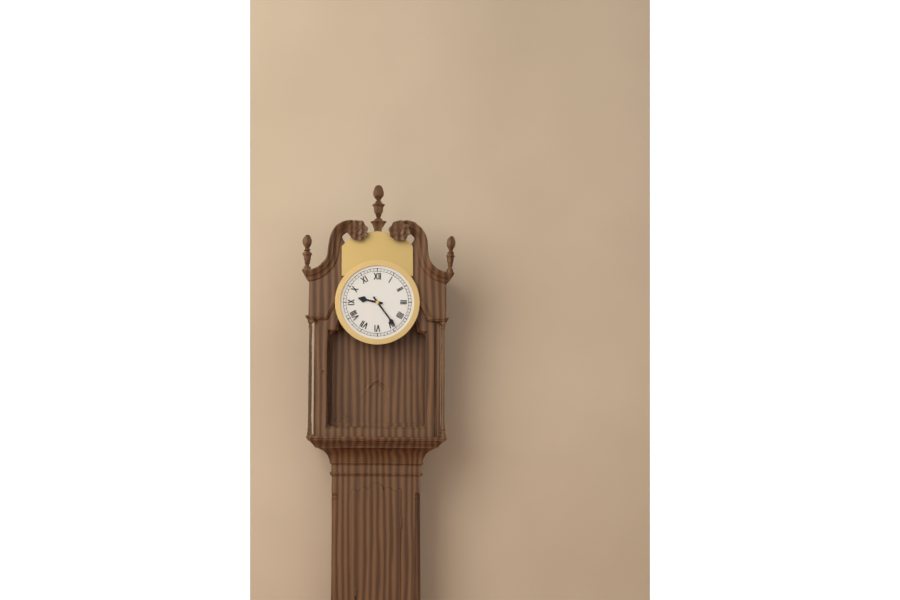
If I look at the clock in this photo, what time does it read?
9:24
